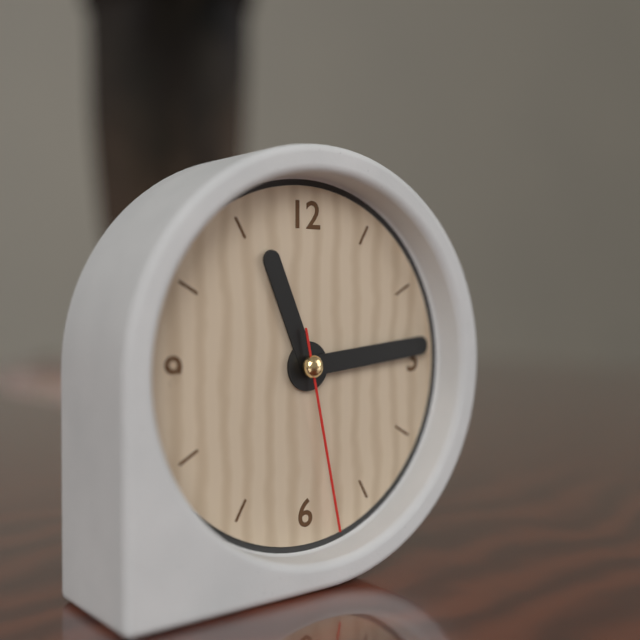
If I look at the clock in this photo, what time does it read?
11:14:28
